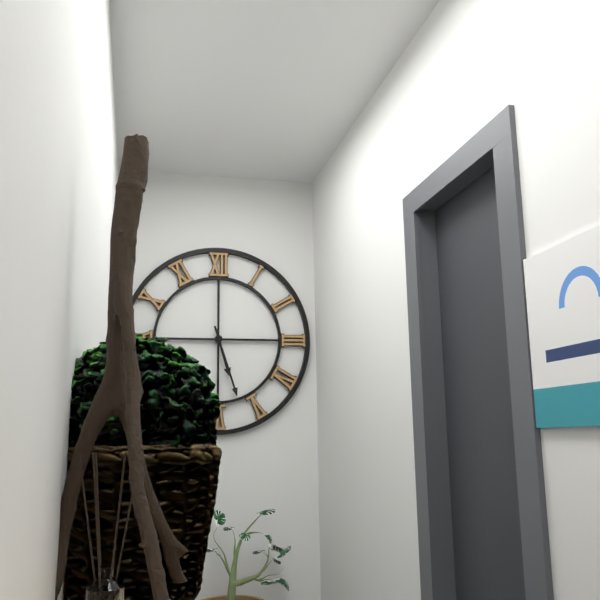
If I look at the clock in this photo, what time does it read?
5:27
